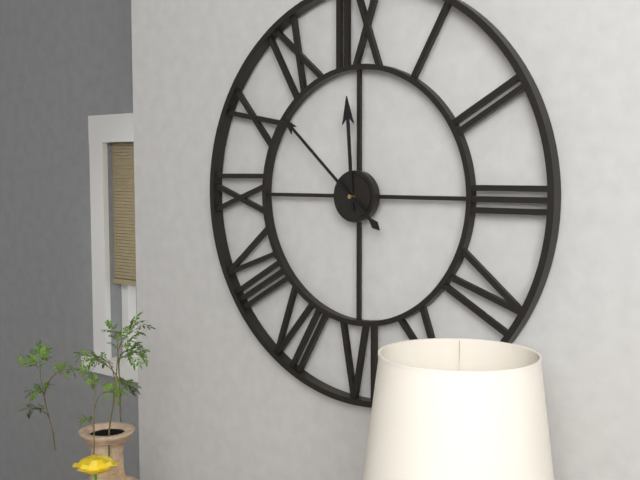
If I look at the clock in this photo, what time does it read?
11:52
